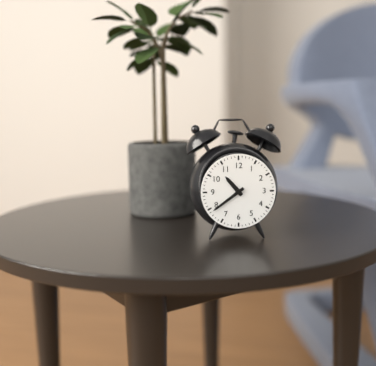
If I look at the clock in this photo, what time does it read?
10:39
